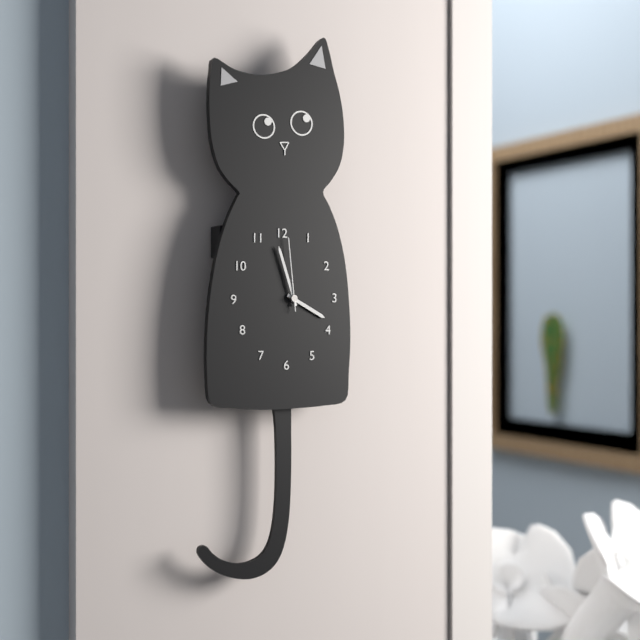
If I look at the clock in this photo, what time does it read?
3:57:59
